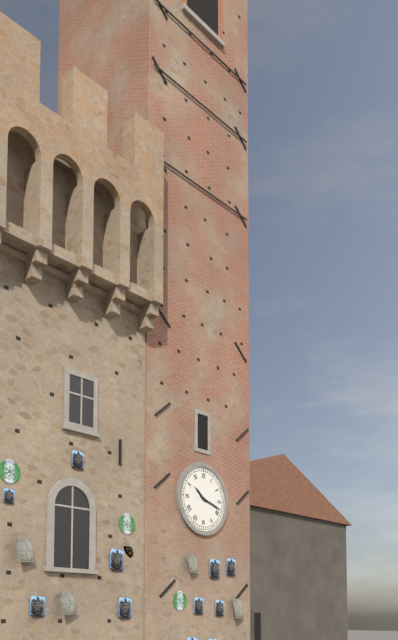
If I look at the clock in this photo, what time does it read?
10:18
